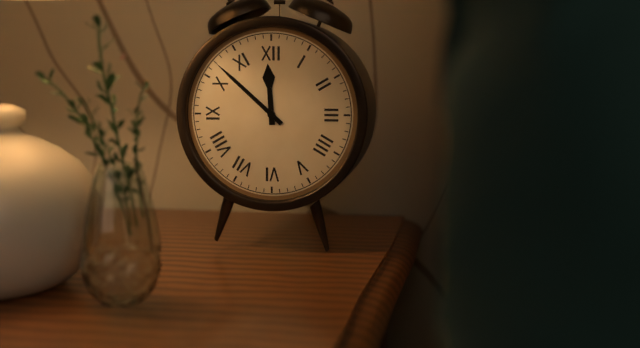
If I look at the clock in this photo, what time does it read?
11:52
